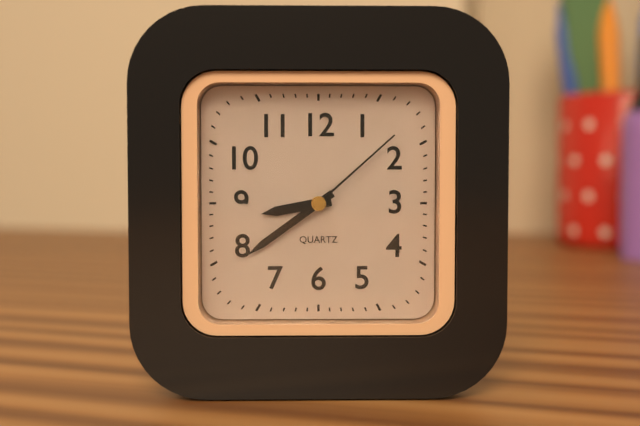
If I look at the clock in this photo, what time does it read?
8:39:08
